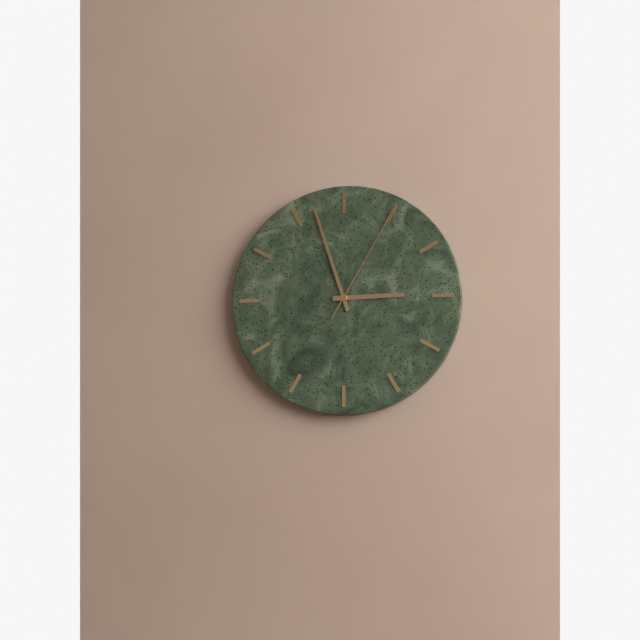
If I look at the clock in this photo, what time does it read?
2:57:05
